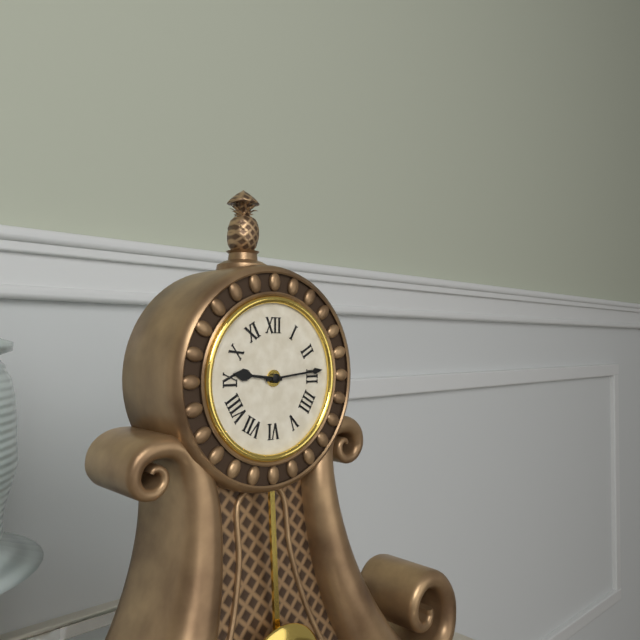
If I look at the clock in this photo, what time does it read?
9:14
